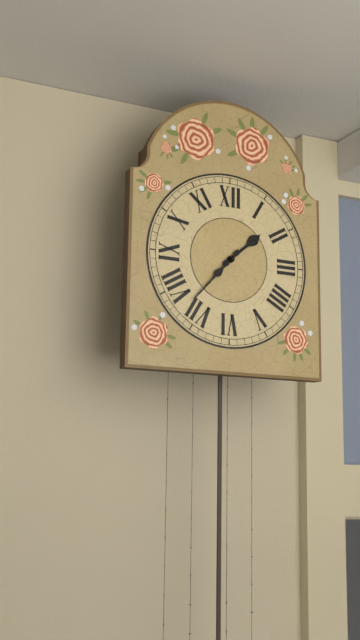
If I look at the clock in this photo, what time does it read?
1:37
